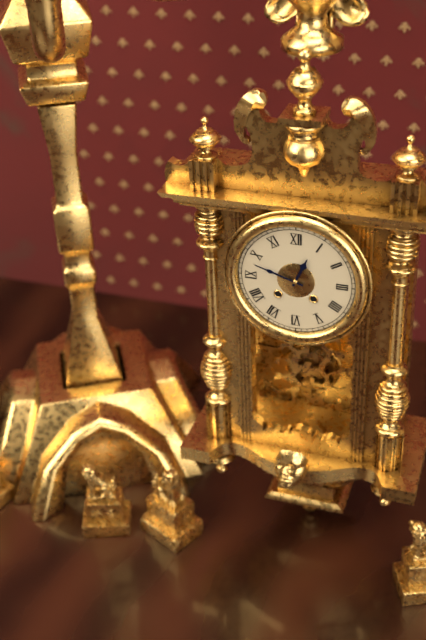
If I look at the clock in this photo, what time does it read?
12:48
